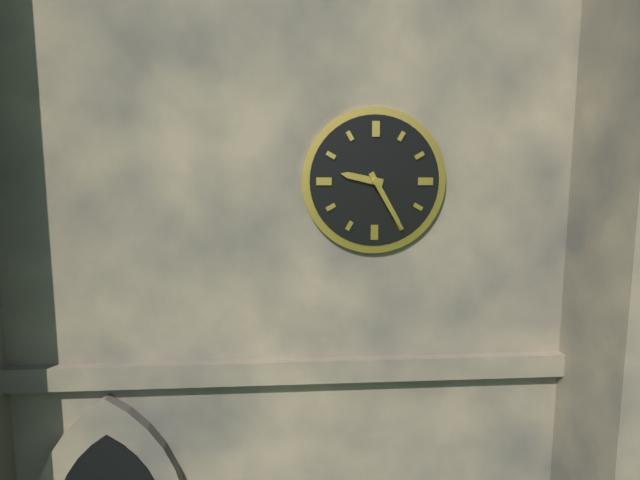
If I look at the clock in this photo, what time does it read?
9:25
